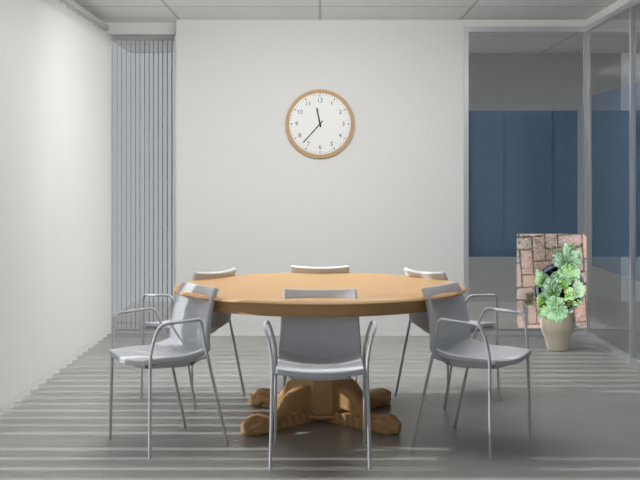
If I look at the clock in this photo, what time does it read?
11:37
